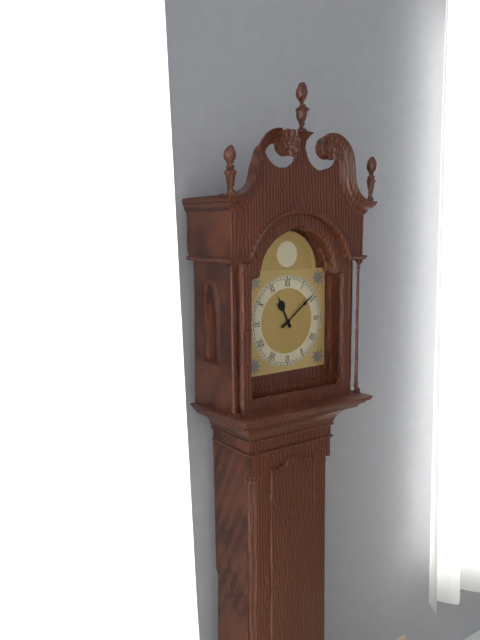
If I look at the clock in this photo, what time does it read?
11:09
